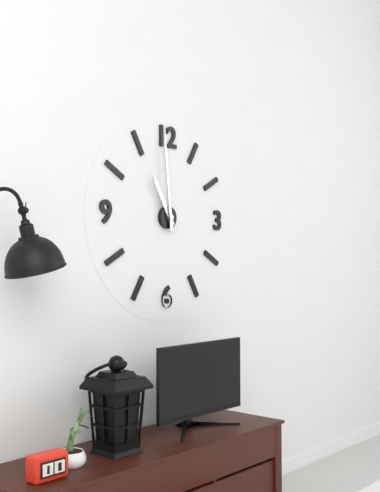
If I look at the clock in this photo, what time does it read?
10:59
